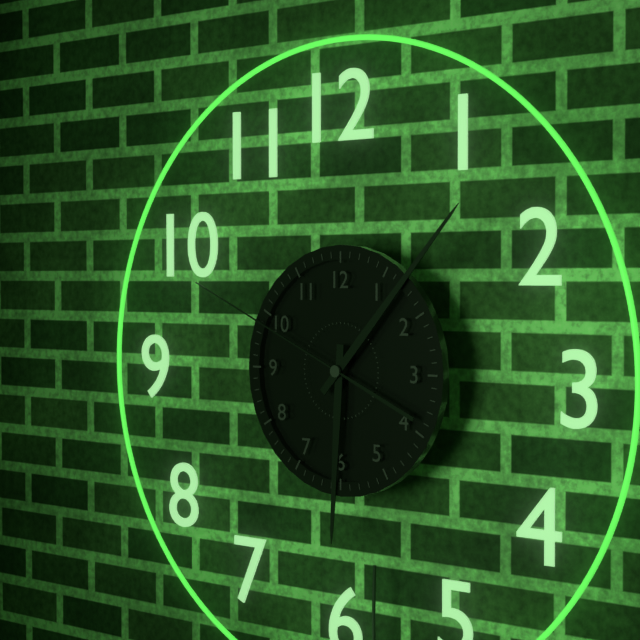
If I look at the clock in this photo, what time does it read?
6:07:49
